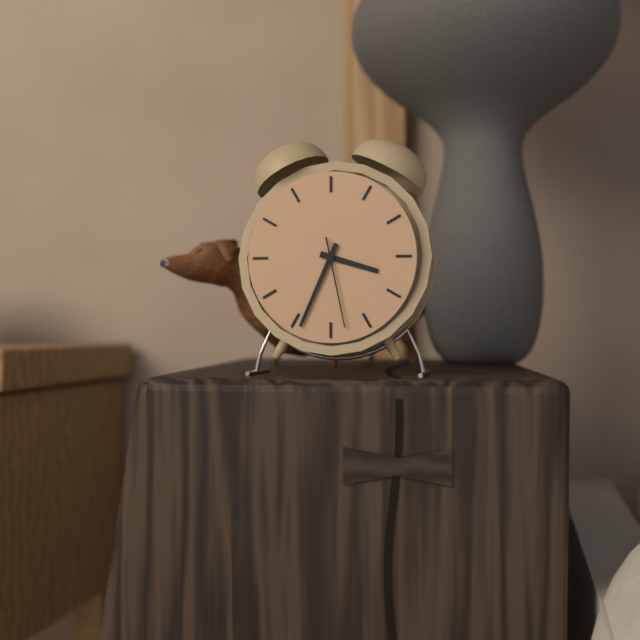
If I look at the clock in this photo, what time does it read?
3:34:28
